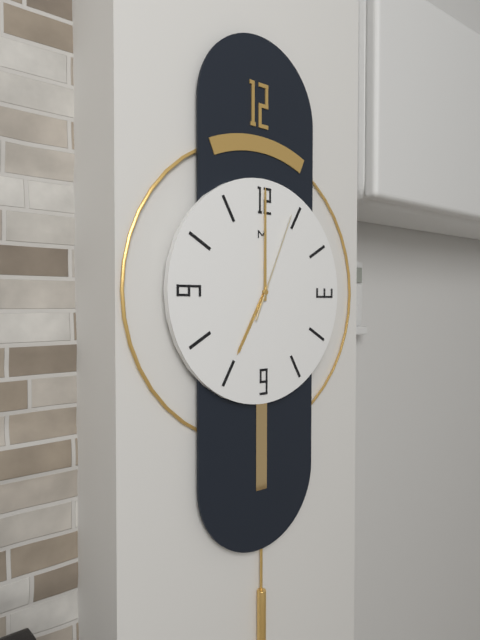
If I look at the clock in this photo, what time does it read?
7:00:04
